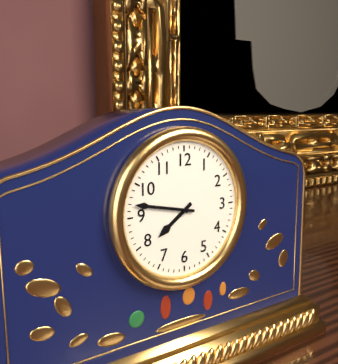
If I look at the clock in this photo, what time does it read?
7:47
